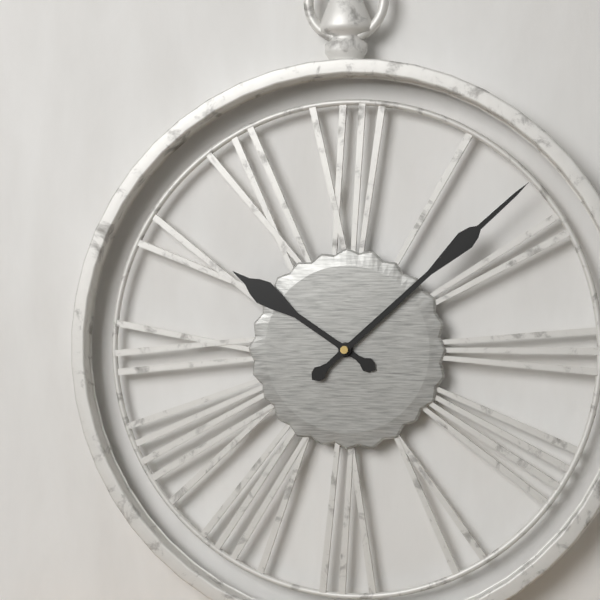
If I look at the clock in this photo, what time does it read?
10:08
